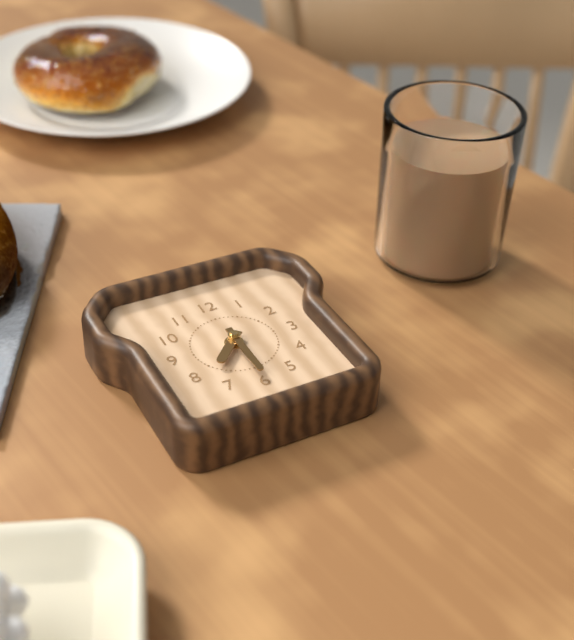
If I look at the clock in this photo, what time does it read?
7:30
